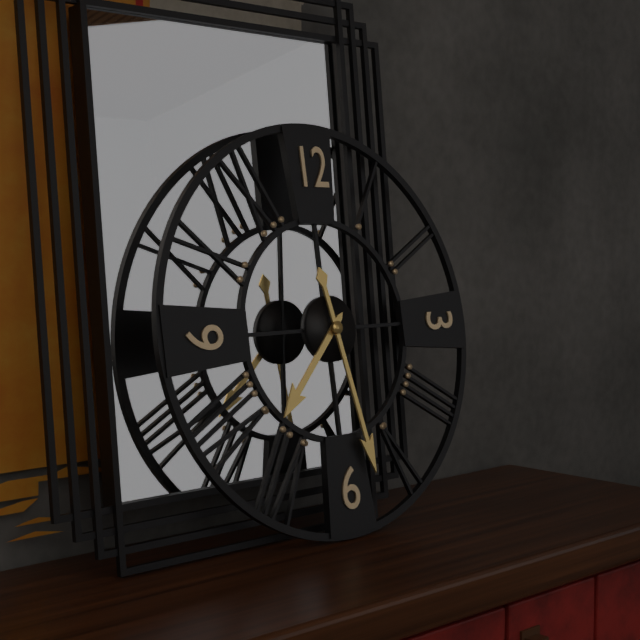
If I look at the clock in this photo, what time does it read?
7:28
